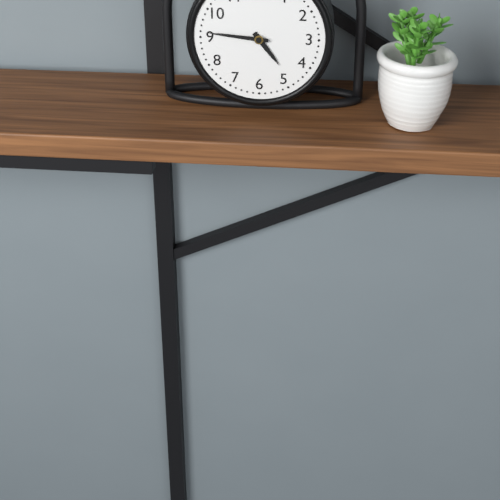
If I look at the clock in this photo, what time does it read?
4:46
